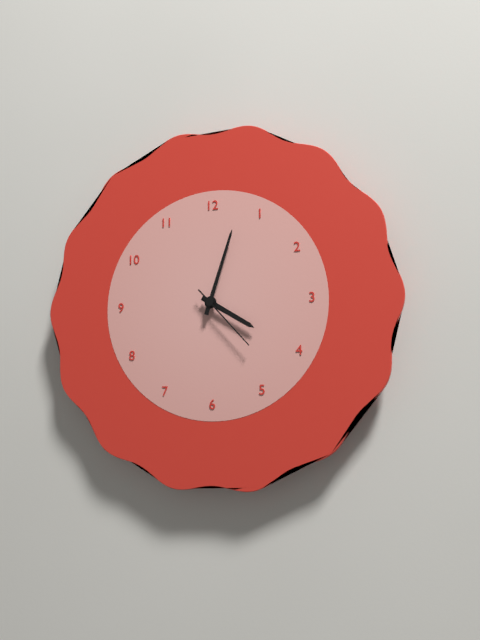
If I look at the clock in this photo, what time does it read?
4:03:23
